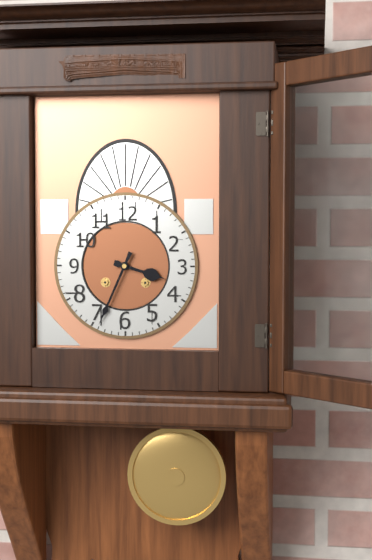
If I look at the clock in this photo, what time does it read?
3:34
